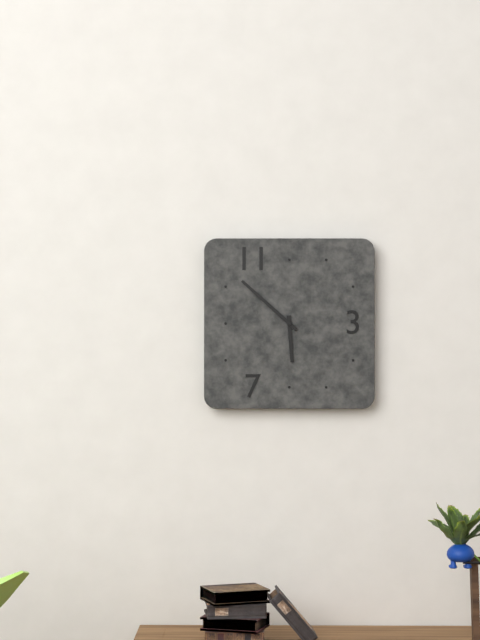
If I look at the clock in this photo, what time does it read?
5:52
